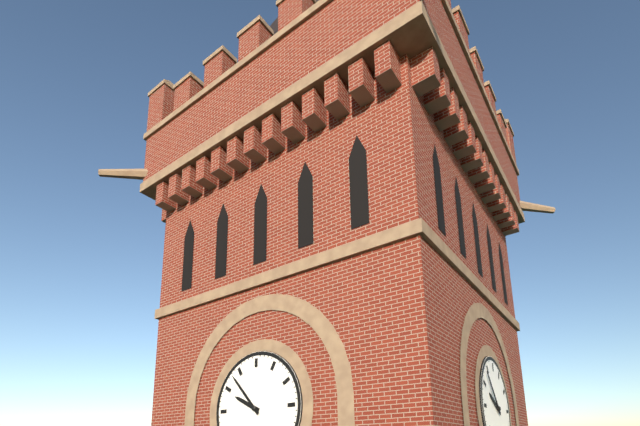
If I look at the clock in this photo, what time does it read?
9:53
